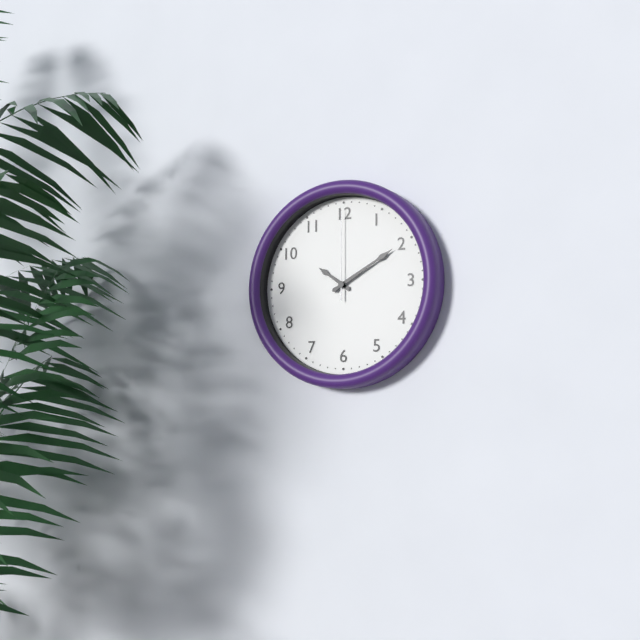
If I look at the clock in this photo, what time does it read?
10:10:00
